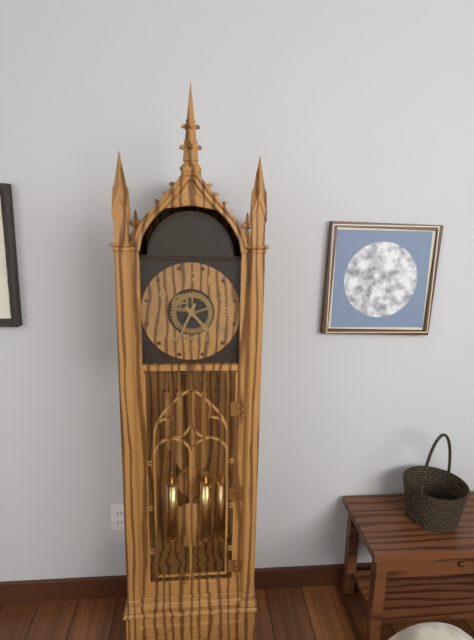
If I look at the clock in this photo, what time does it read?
4:34
